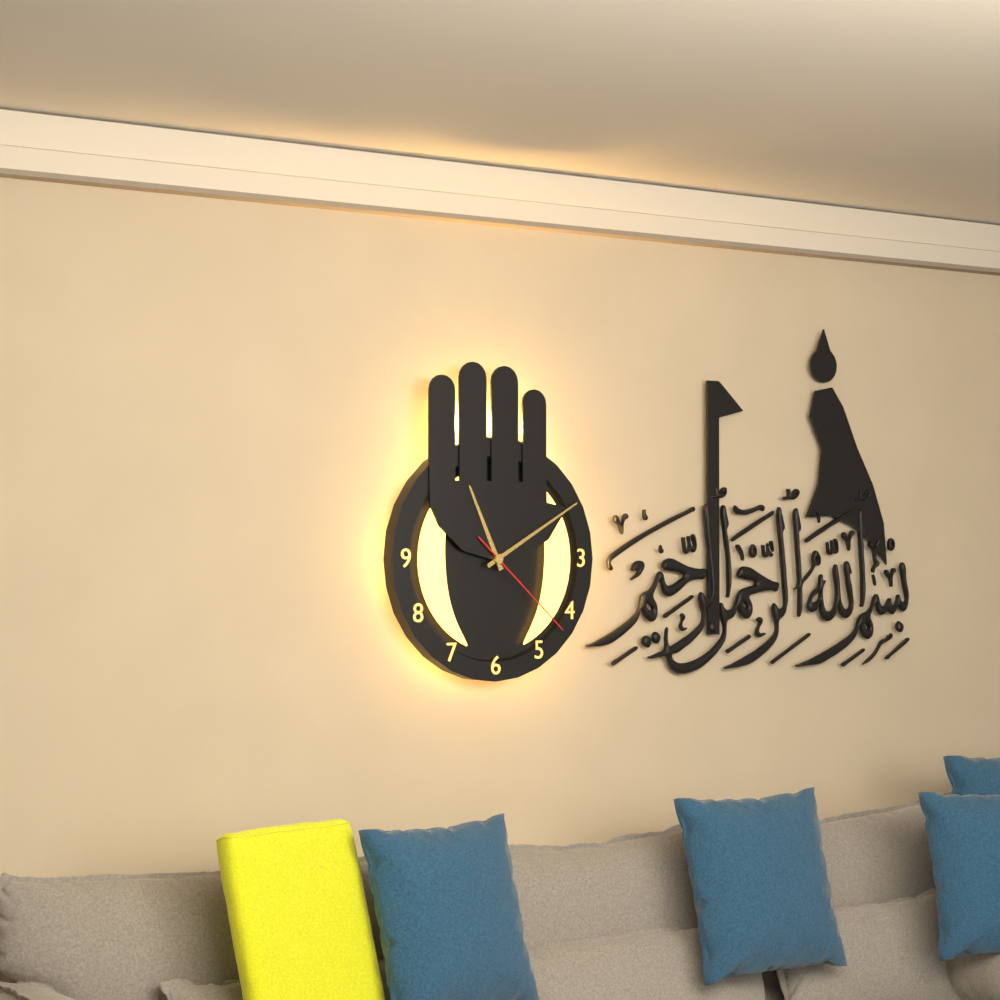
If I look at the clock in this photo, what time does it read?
11:10:22
